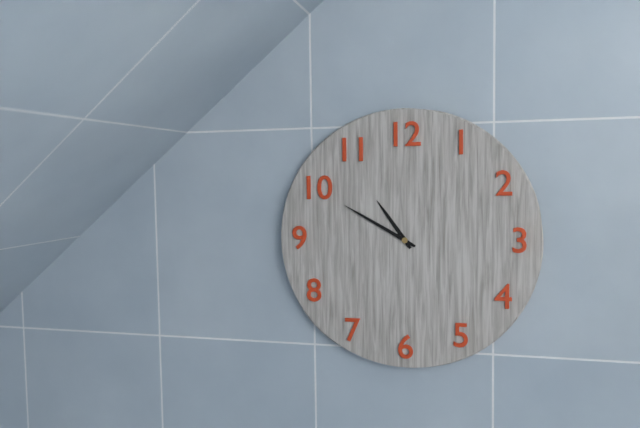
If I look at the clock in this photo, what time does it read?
10:50
